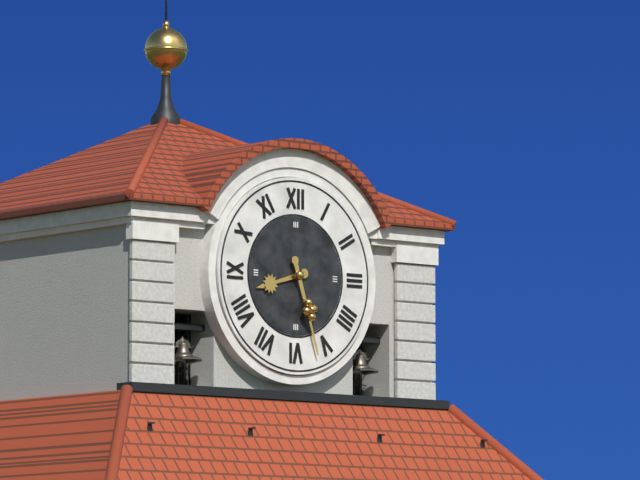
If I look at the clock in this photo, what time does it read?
8:27
